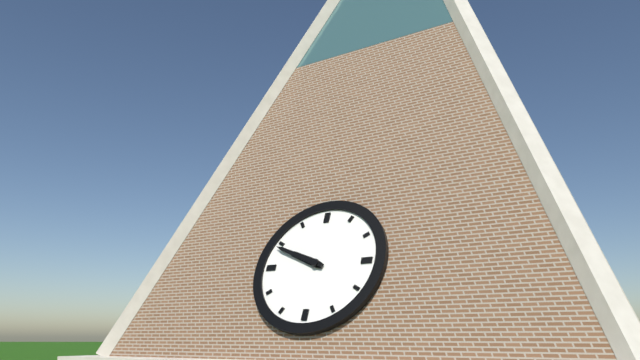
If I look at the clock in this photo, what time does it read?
9:49
